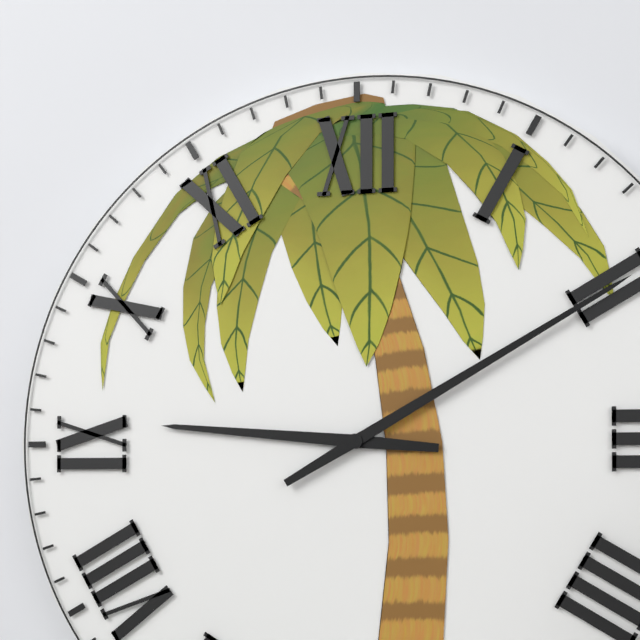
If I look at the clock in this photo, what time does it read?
9:10
